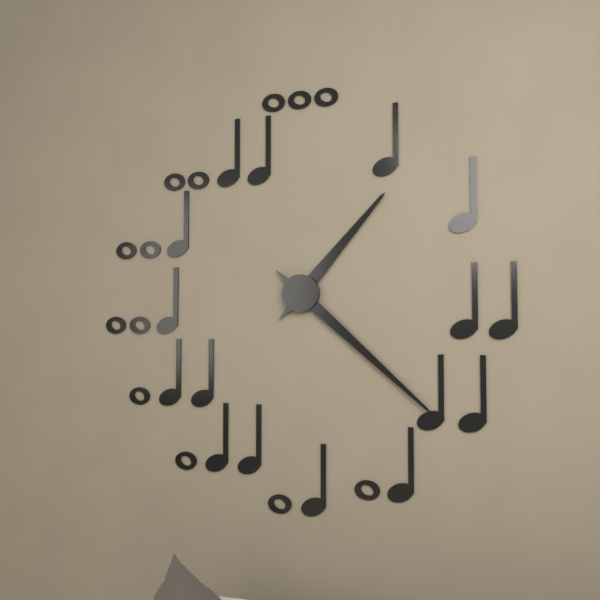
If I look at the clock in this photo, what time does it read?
1:22
